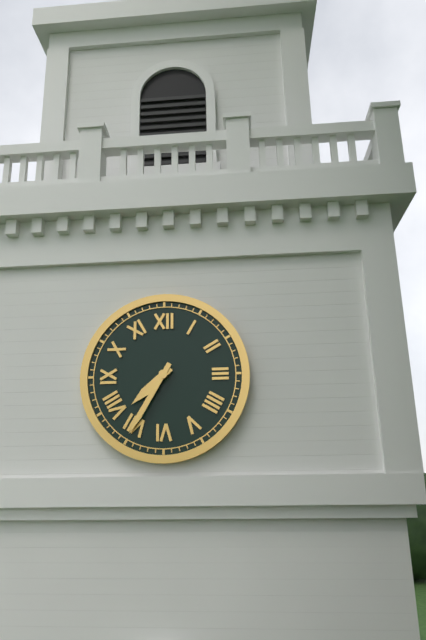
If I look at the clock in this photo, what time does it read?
7:35
